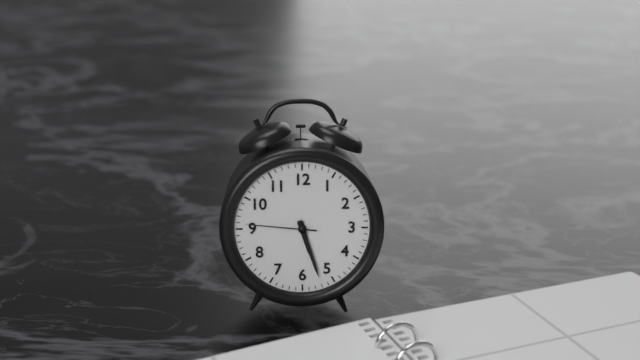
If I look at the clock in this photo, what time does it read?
5:27:46
